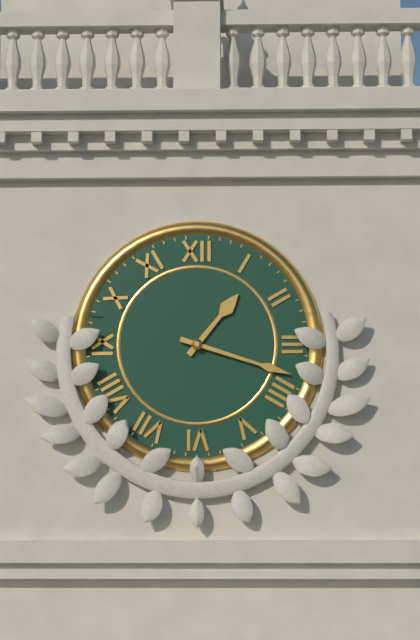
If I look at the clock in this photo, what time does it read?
1:18
